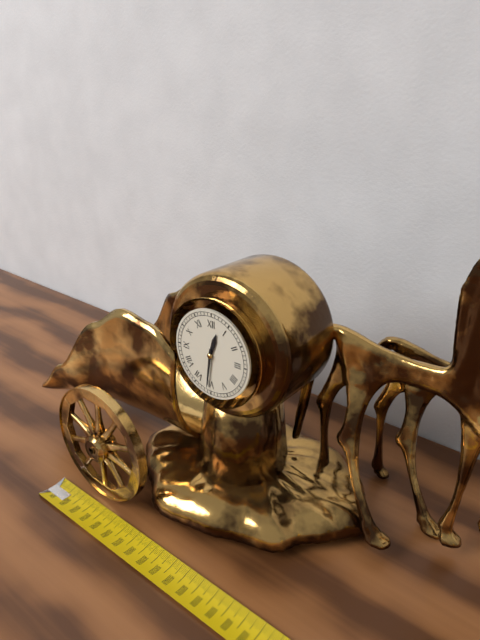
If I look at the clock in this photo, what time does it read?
12:31
